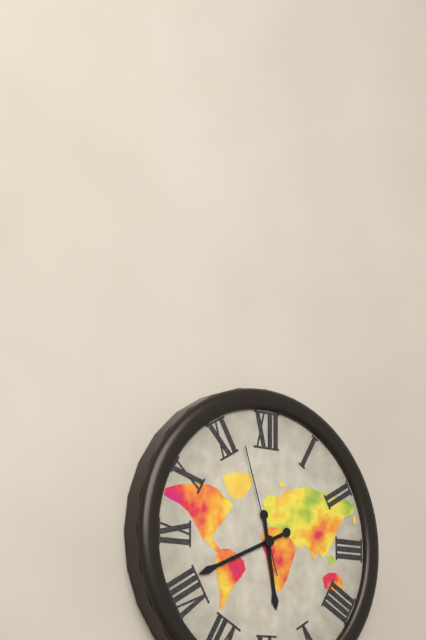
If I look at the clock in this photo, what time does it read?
5:41:57
